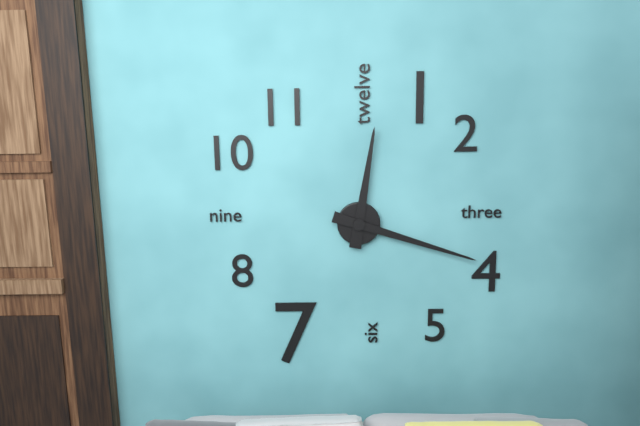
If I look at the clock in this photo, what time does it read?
12:18
